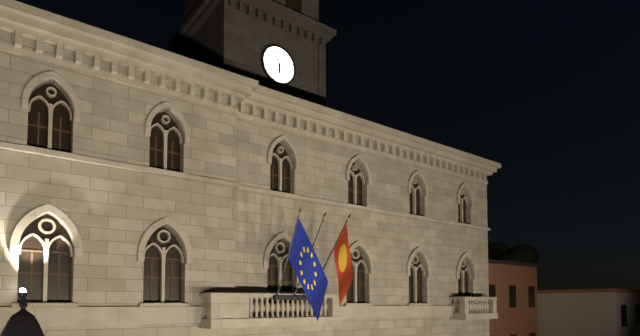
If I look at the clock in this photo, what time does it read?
5:55
